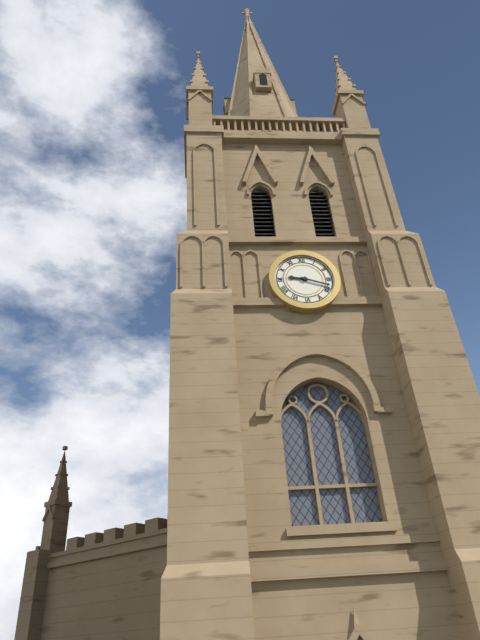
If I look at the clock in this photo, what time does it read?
9:18
